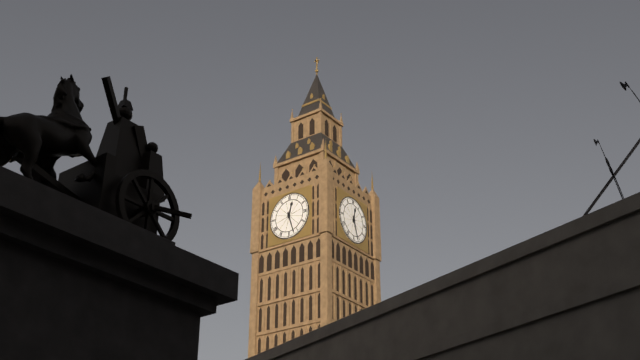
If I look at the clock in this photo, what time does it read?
12:27
